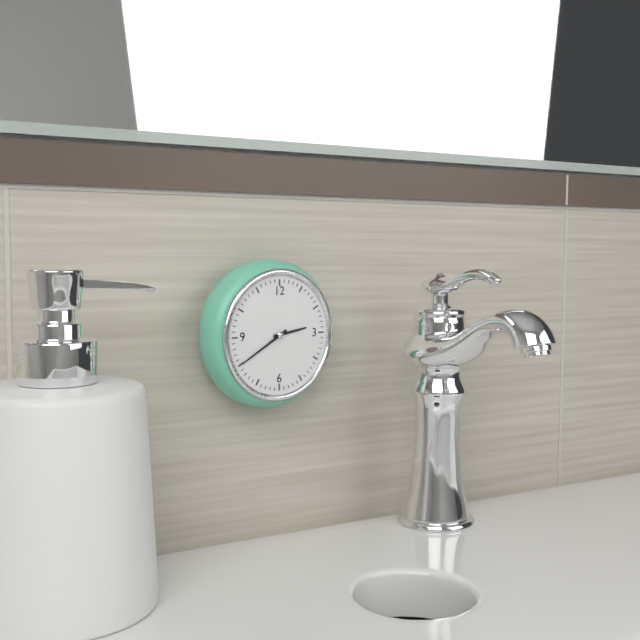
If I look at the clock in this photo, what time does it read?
2:40
